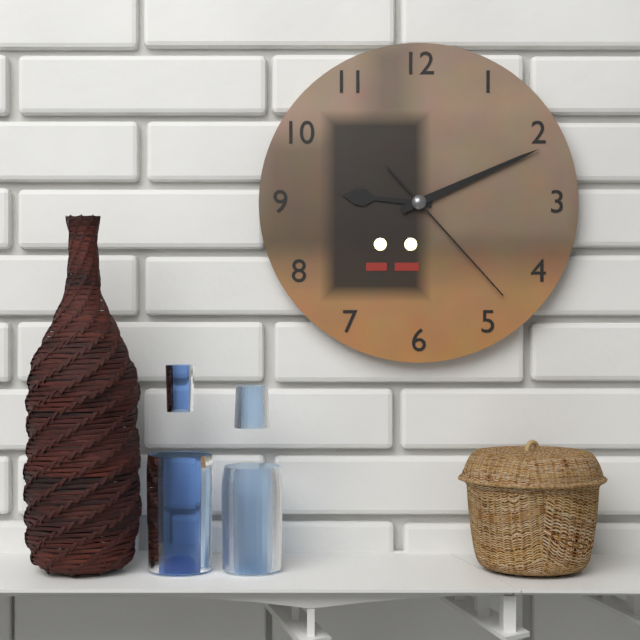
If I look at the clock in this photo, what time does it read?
9:11:23
